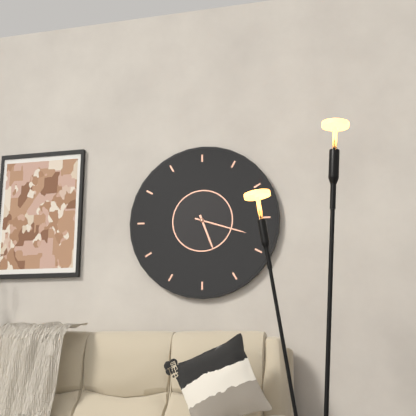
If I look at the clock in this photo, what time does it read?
5:18
